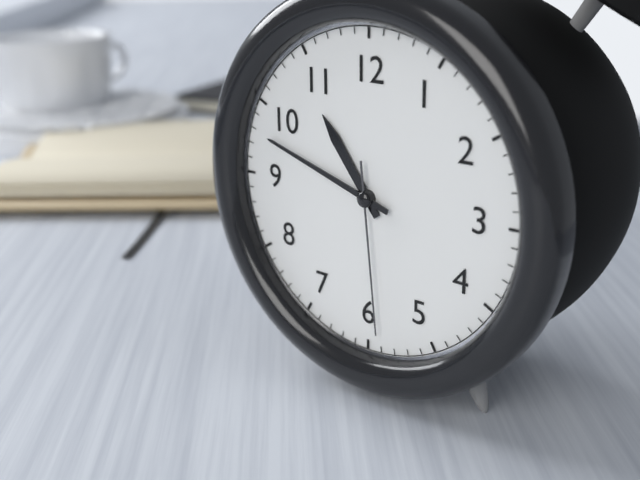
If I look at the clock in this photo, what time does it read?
10:48:29
